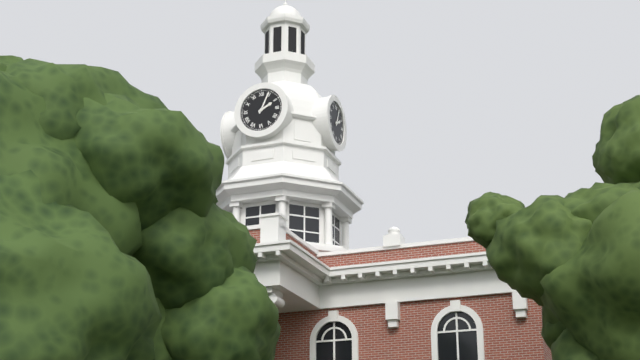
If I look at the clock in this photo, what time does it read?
2:04
